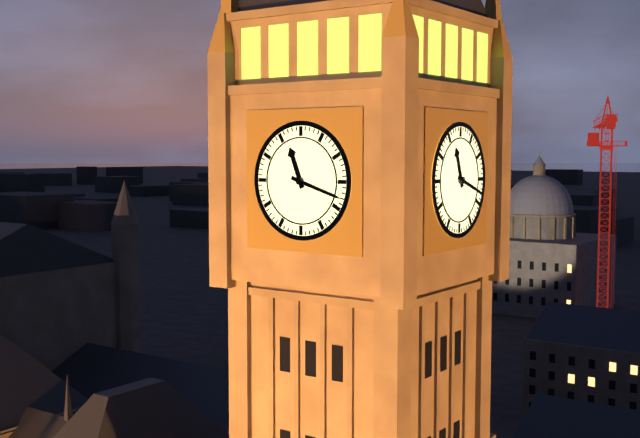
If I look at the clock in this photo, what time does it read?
11:18
